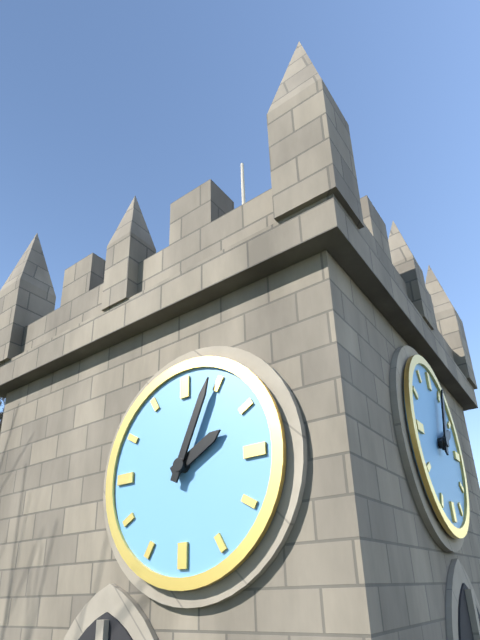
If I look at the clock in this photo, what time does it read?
2:04
